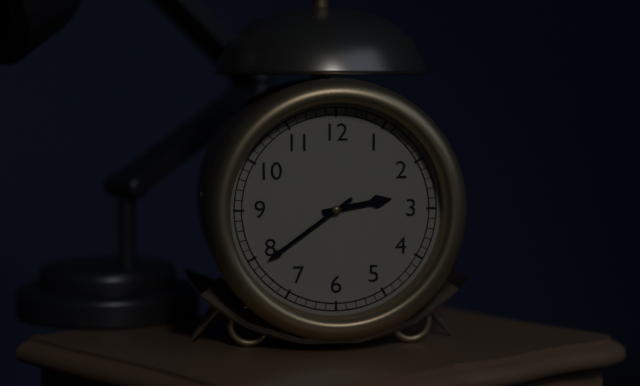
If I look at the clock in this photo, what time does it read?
2:39
